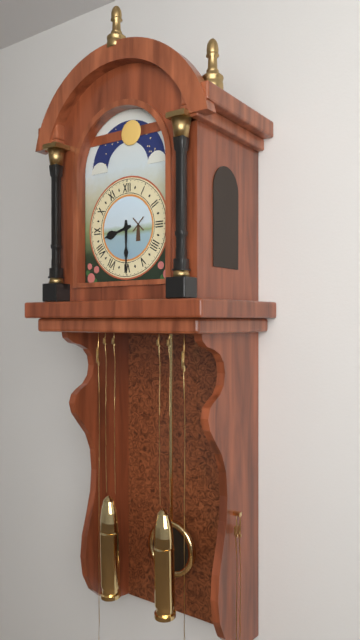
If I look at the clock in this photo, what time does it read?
8:30
